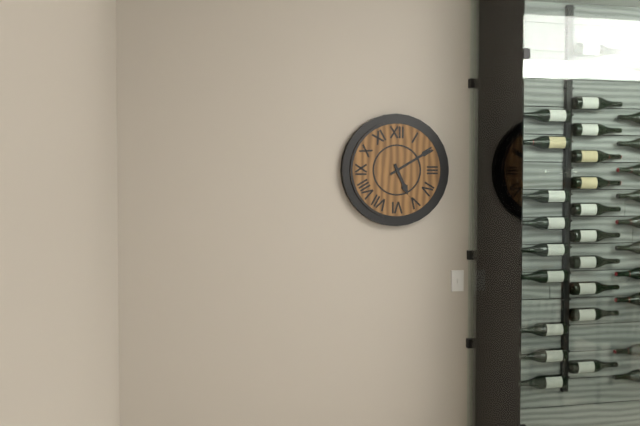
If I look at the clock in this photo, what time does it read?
5:10
